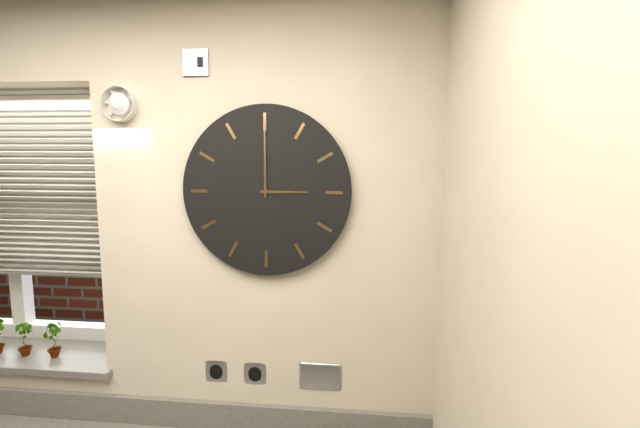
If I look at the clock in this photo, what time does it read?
3:00
